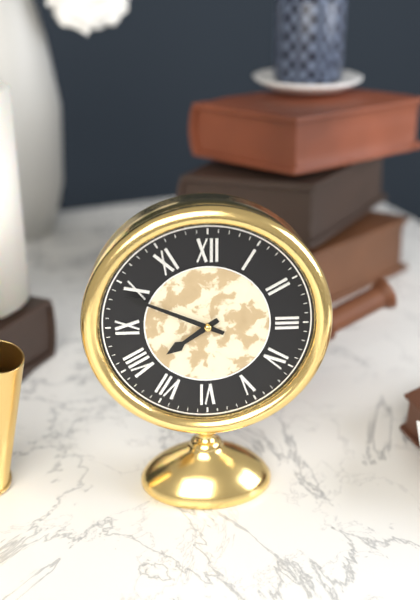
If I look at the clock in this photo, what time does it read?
7:49
